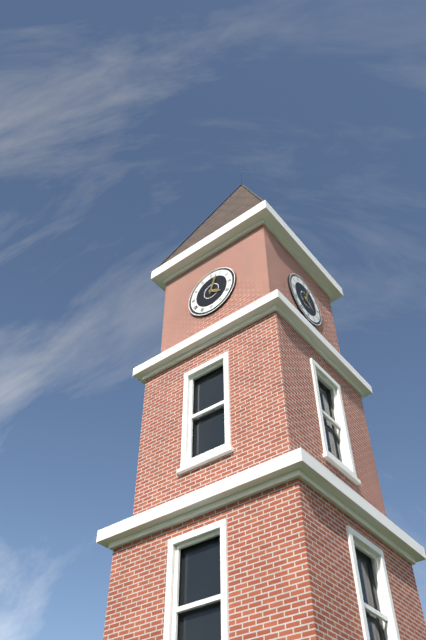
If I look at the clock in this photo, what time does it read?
4:03
